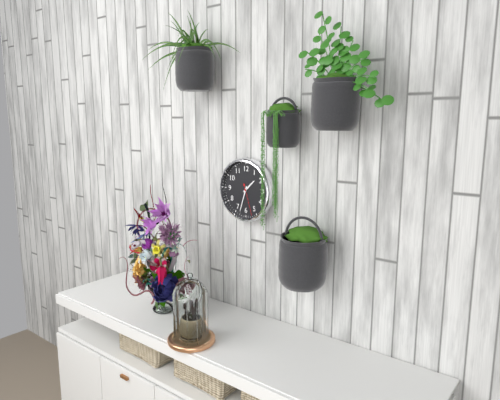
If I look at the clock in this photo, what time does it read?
1:33
